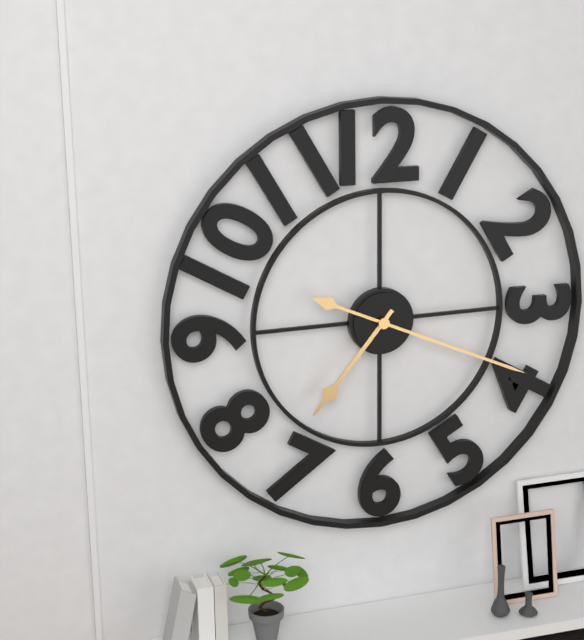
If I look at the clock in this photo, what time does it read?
7:19
